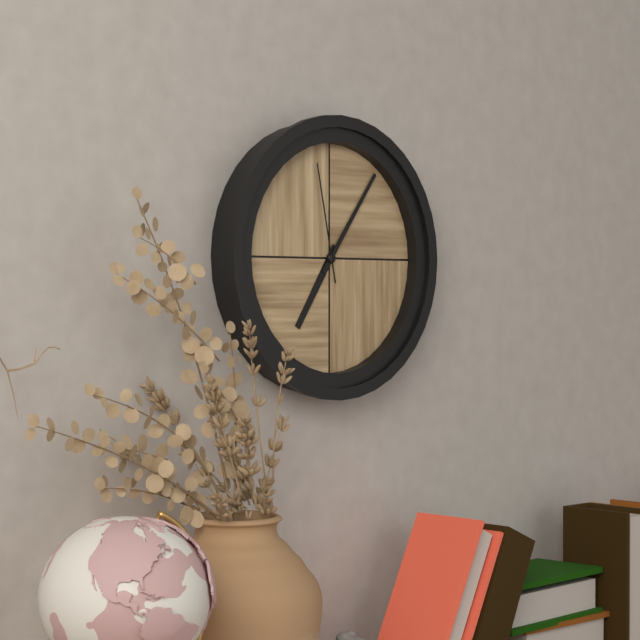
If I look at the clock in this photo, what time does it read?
7:06:58
